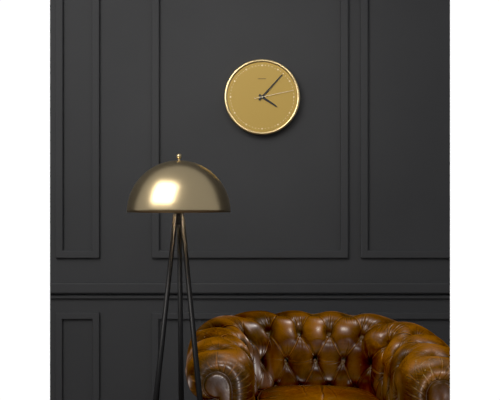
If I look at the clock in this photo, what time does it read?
4:07
